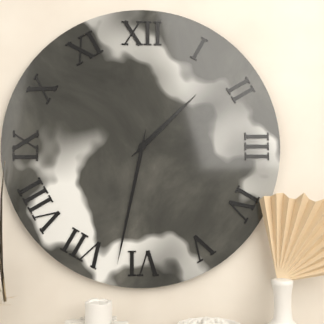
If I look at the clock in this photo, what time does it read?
1:32
